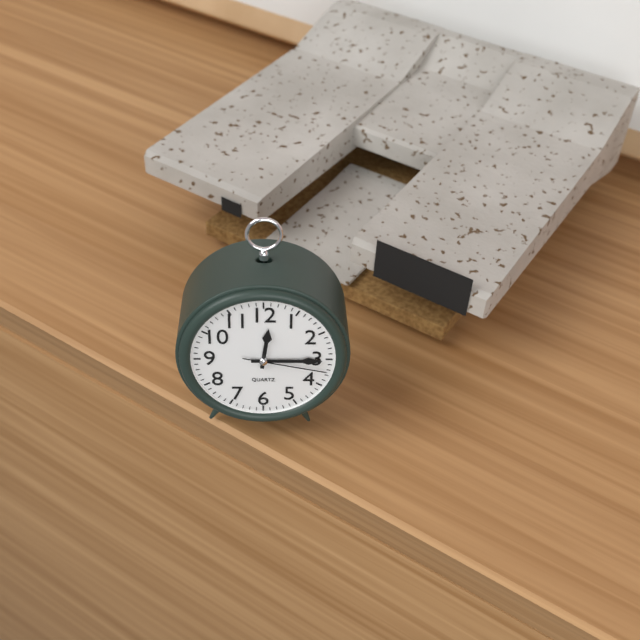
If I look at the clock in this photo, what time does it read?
12:15:17
